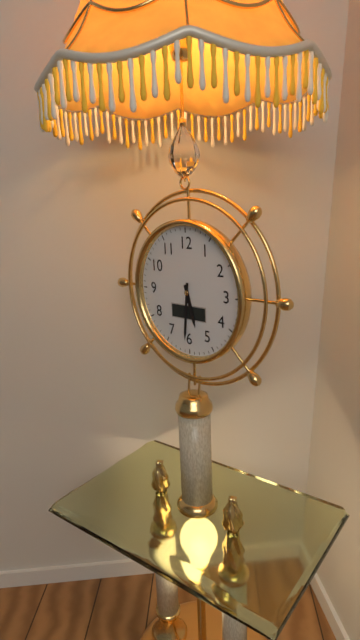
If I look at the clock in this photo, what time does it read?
5:31
